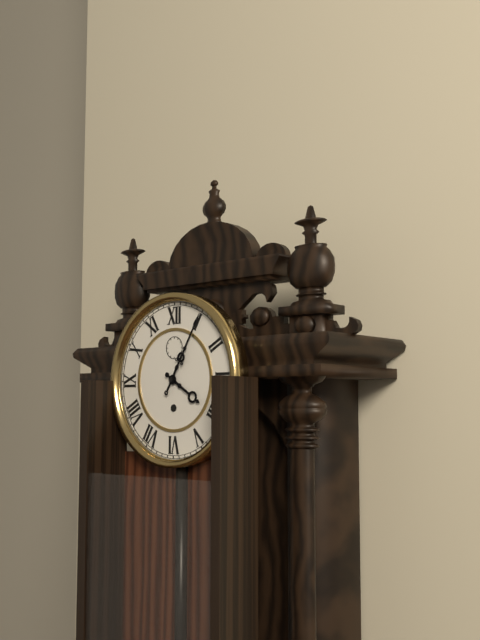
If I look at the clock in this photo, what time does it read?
4:05
